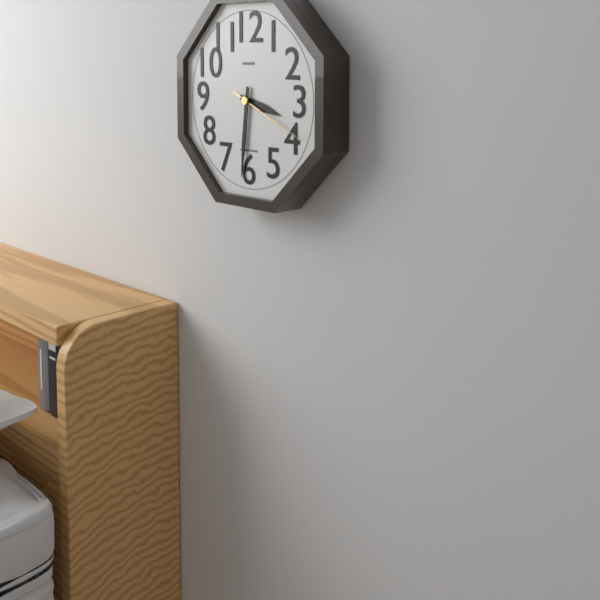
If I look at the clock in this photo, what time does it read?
3:31:19
